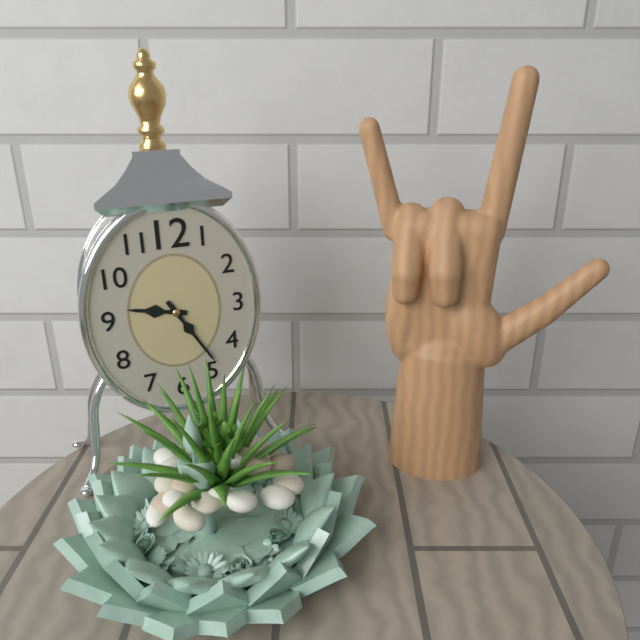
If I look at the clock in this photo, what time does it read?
9:25
